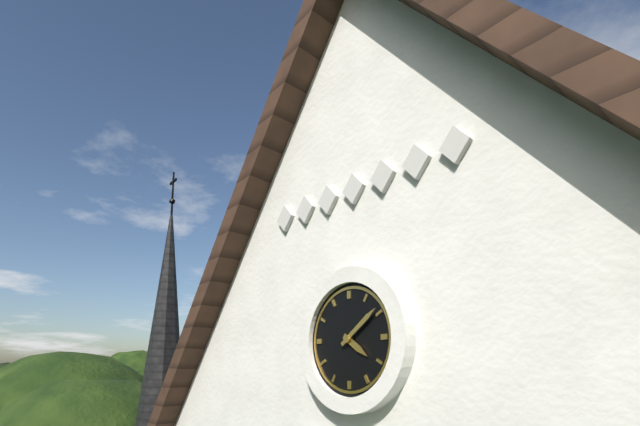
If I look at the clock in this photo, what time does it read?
4:09
